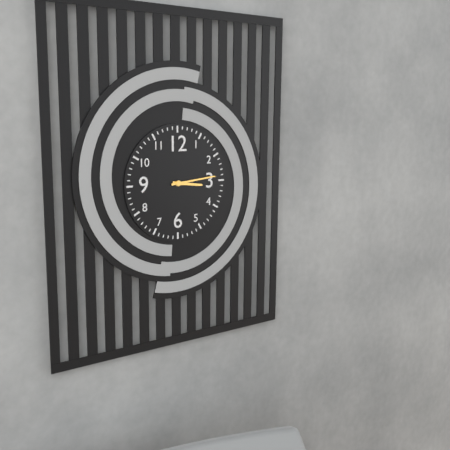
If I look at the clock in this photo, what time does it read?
3:14
